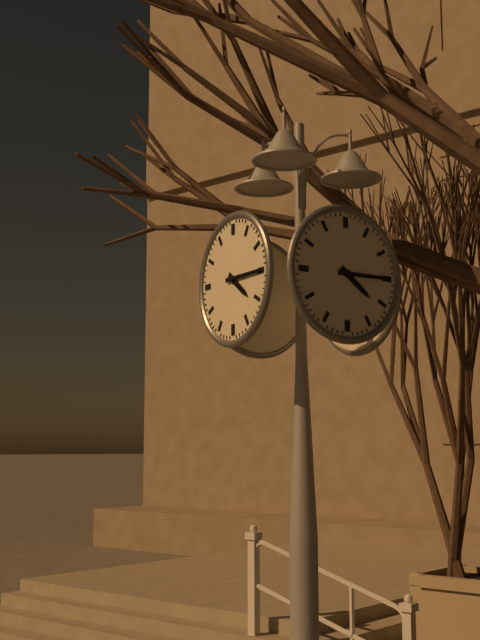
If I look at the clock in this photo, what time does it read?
4:15
